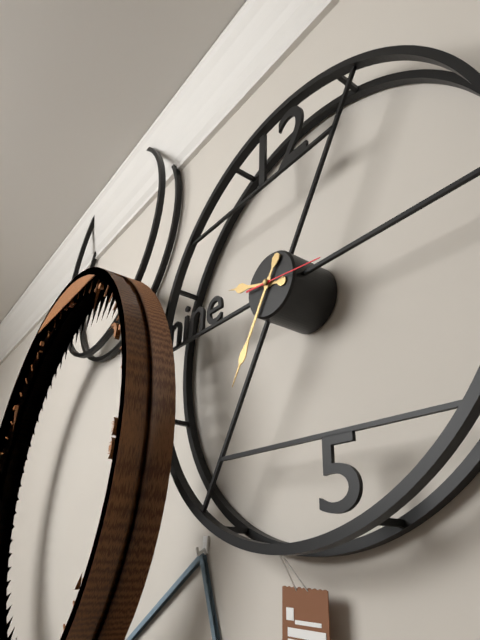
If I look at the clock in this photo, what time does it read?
9:35:16
